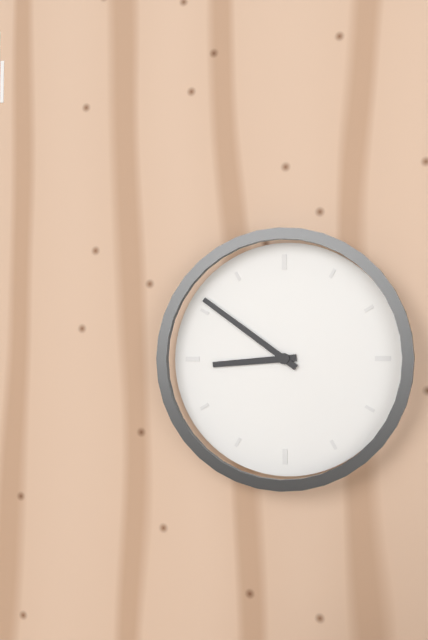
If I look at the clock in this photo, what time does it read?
8:51
